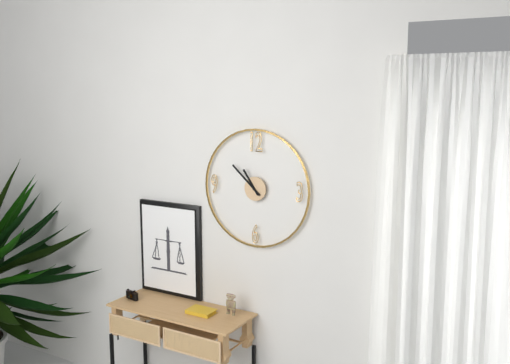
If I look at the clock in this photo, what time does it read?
10:52
